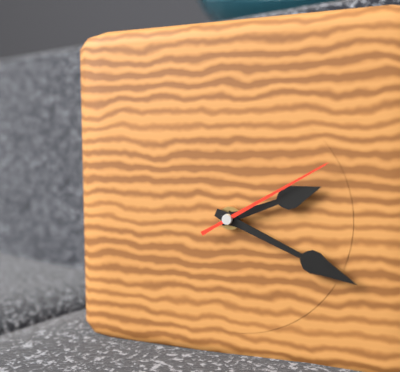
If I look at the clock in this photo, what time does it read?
2:19:10
